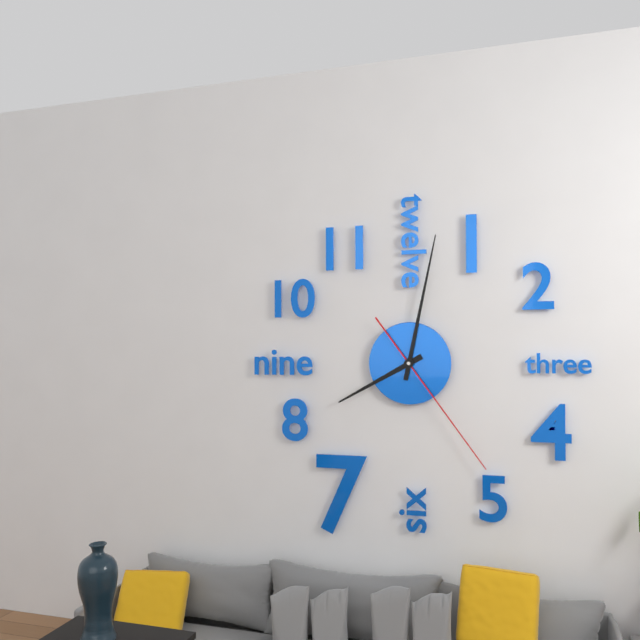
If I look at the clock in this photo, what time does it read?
8:02:24
